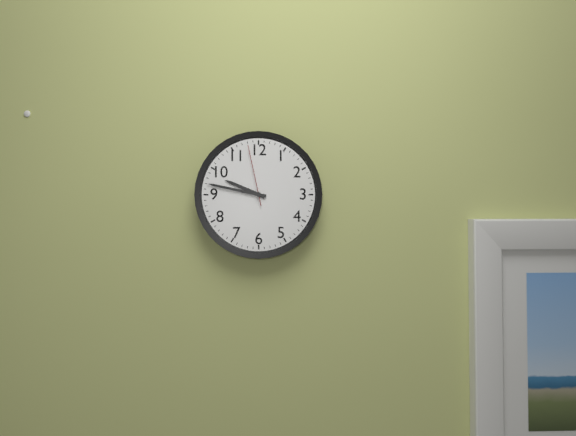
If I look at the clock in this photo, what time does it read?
9:47:58
